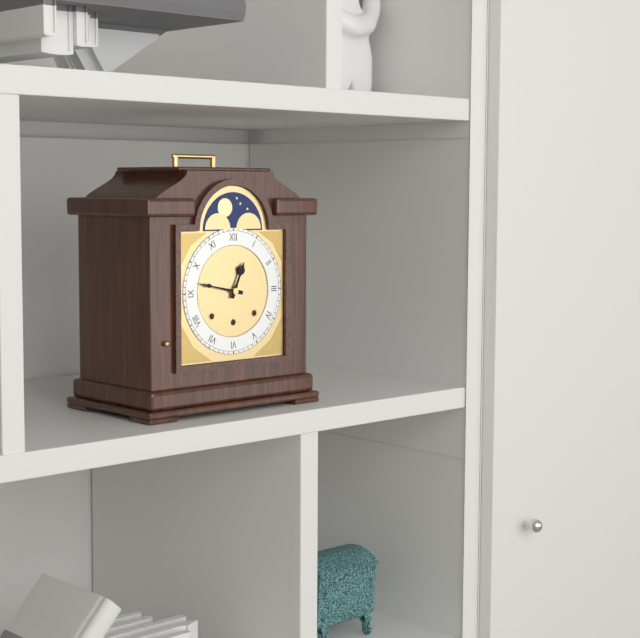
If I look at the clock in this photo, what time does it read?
12:47
